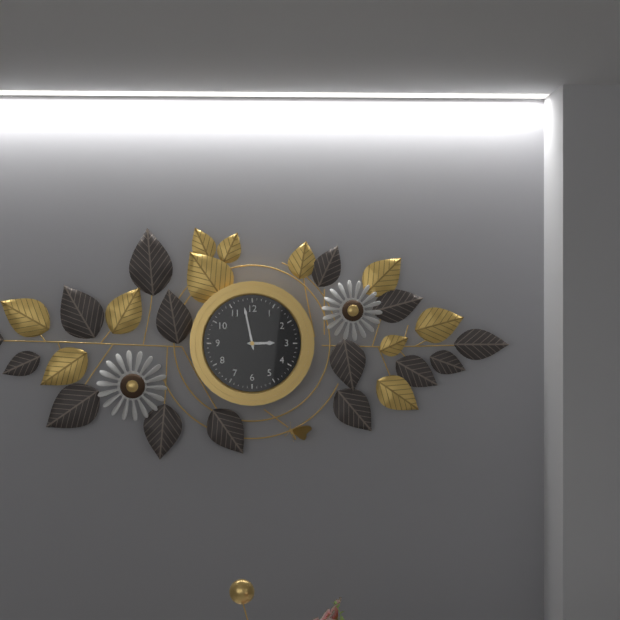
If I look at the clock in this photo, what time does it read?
2:58
